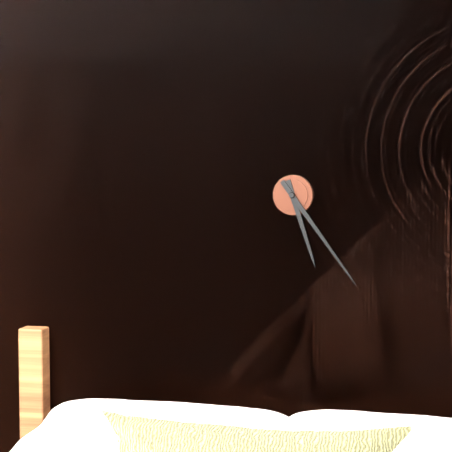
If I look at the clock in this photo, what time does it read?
5:24
